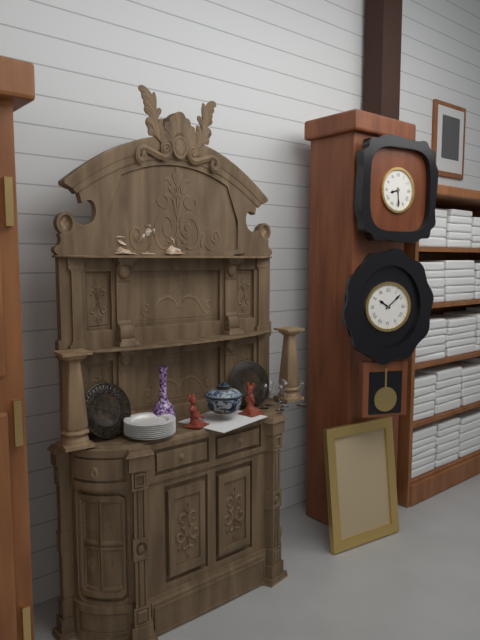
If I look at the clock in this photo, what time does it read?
8:29
